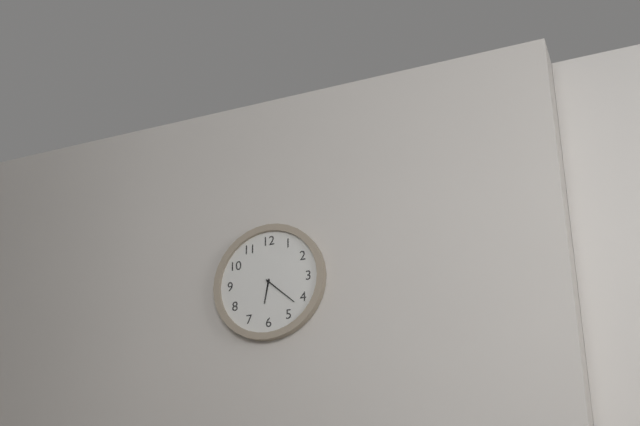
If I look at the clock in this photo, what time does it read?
6:22
